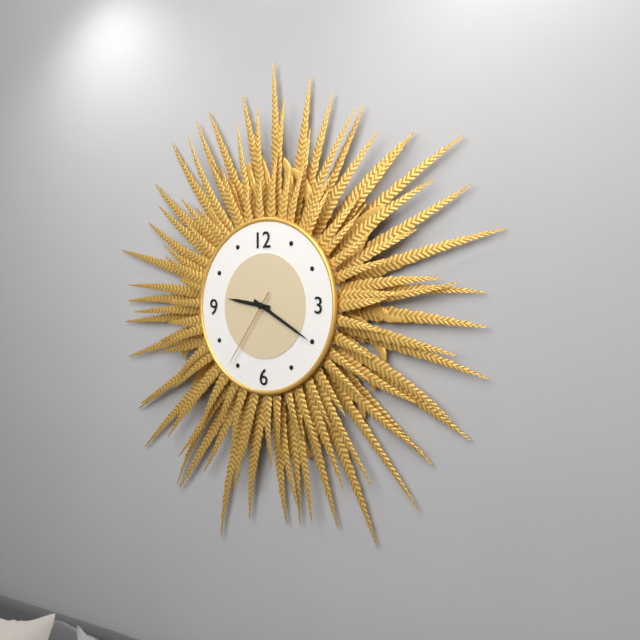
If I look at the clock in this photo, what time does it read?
9:20:36
